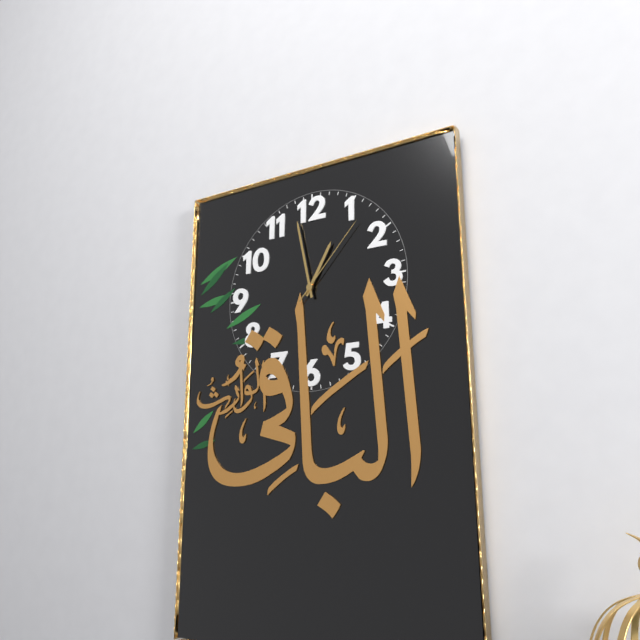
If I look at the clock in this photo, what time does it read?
12:58:07
